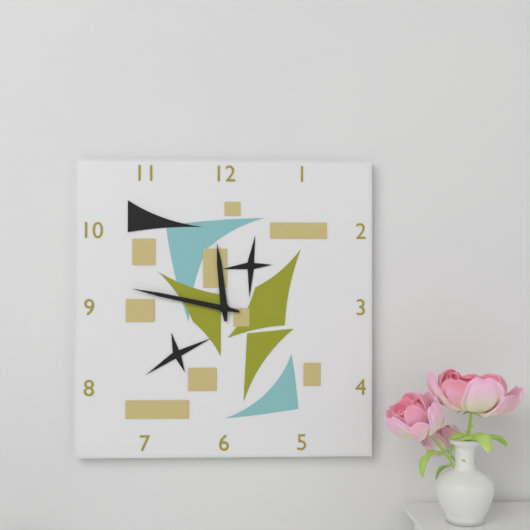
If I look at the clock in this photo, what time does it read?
11:47
